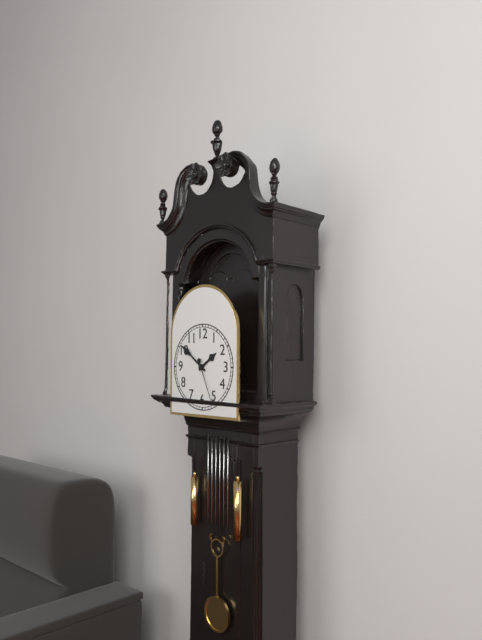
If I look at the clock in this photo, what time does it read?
1:51
